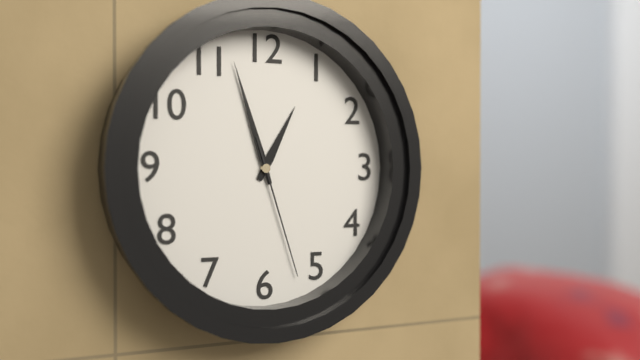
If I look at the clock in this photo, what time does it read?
12:57:27
